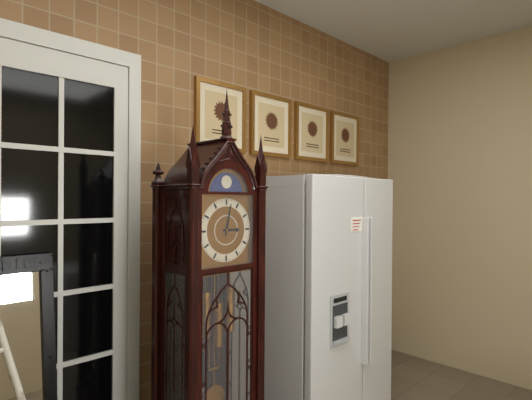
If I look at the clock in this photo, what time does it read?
3:02
